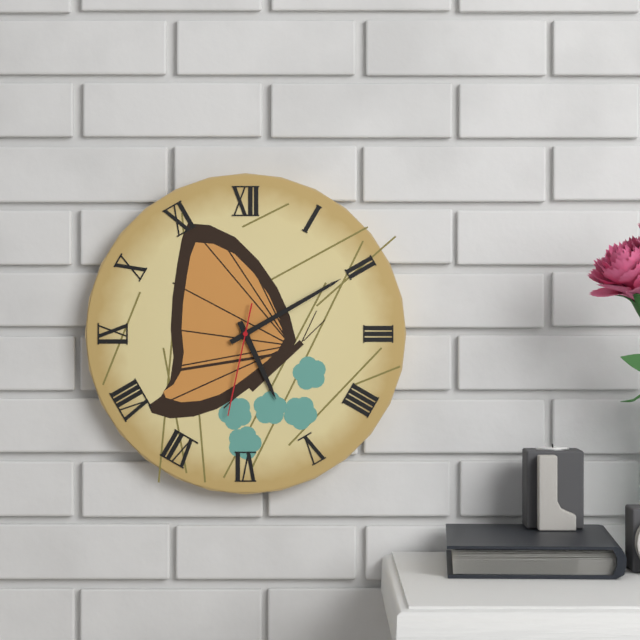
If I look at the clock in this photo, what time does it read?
5:10:32
